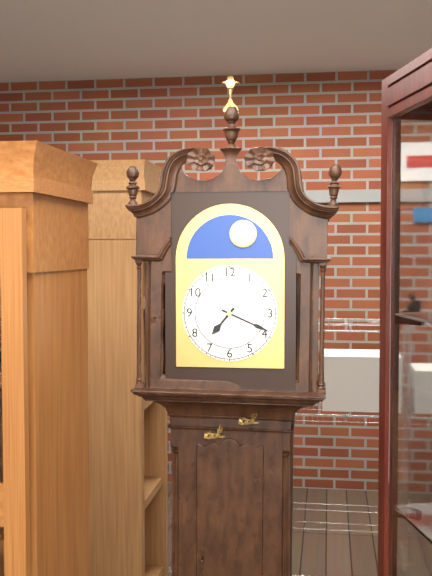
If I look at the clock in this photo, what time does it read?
7:19
